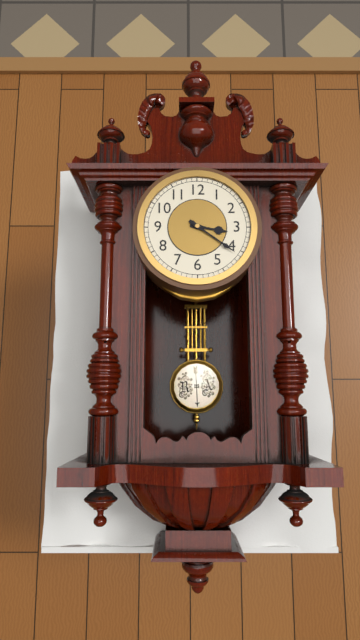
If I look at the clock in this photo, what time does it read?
3:21
